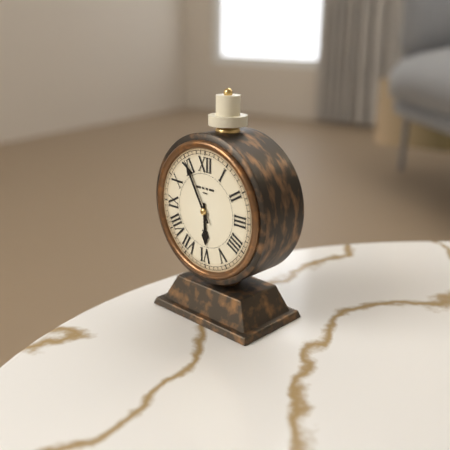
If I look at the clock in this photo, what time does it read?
5:55
